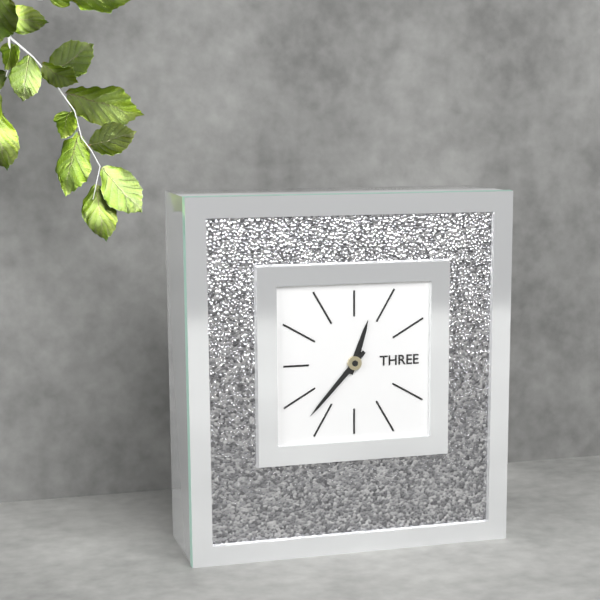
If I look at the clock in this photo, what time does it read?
12:37
